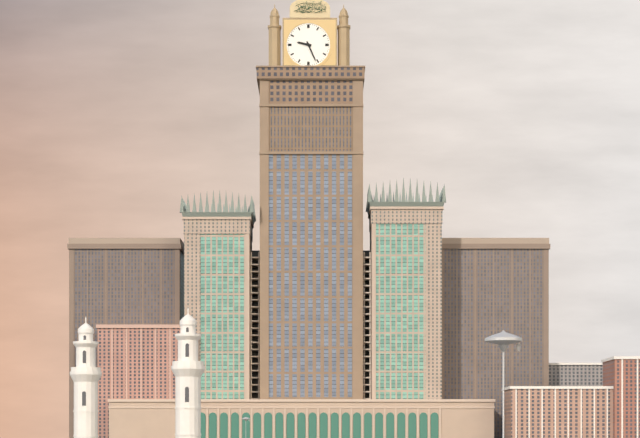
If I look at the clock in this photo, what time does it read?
9:26
